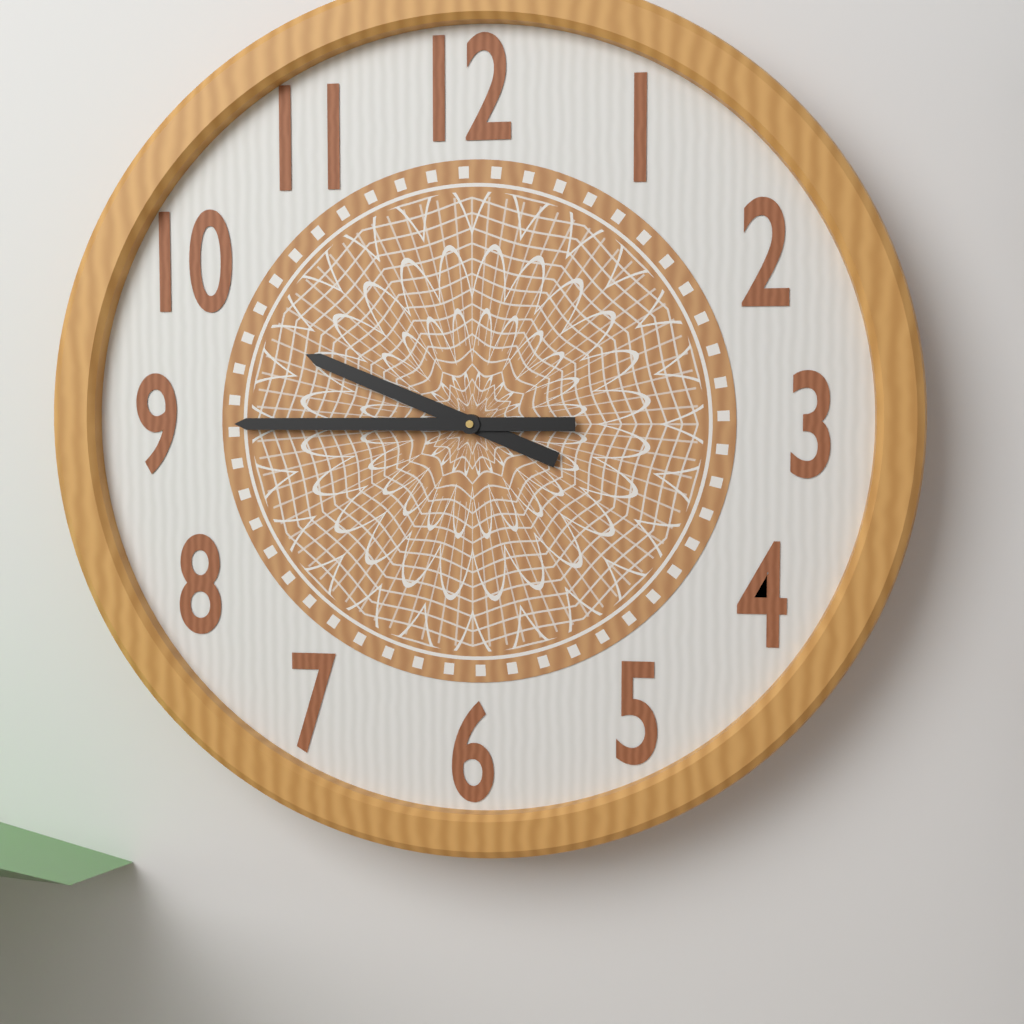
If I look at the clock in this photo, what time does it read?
9:45
